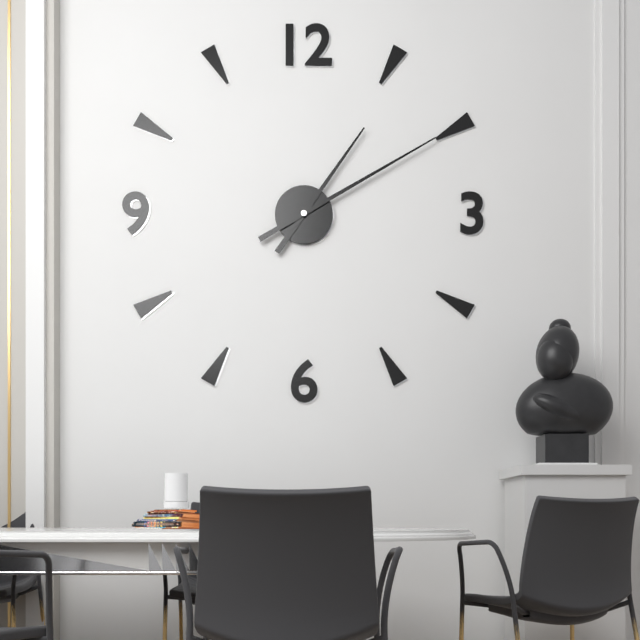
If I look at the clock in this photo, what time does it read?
1:10
